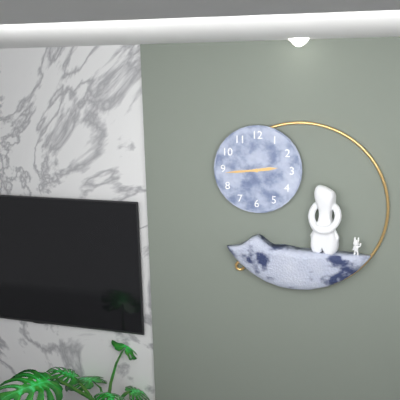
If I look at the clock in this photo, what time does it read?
2:44
